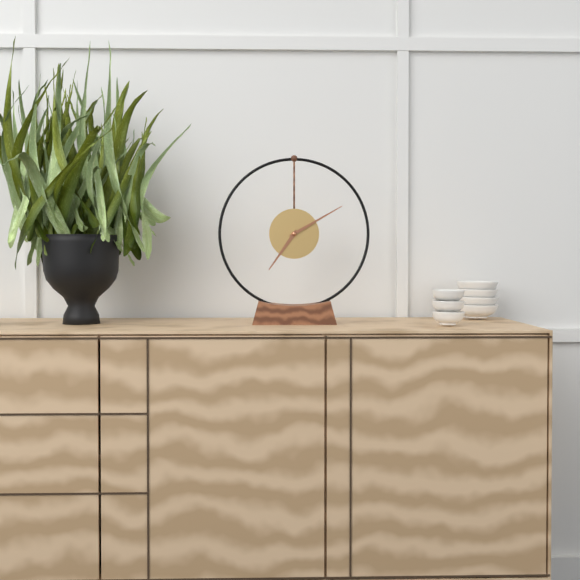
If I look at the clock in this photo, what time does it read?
7:10
